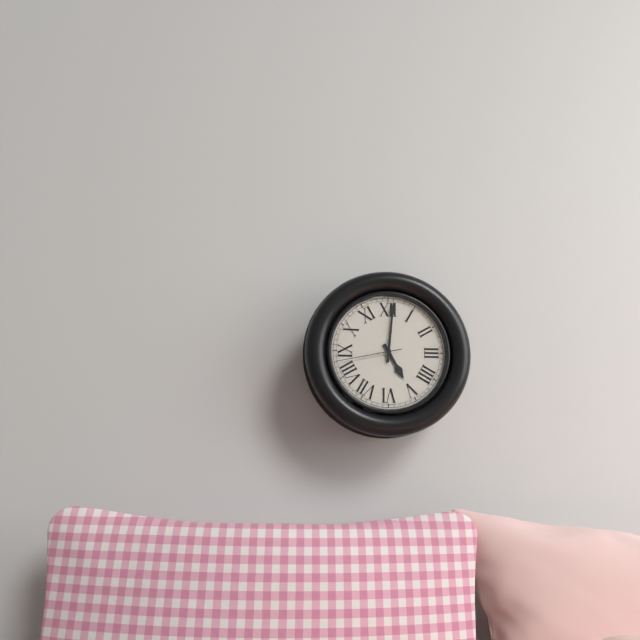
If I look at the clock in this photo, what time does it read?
5:01:43
